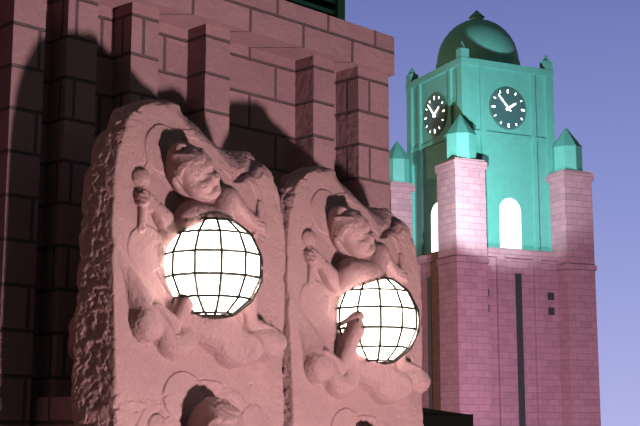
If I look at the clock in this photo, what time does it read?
1:53
